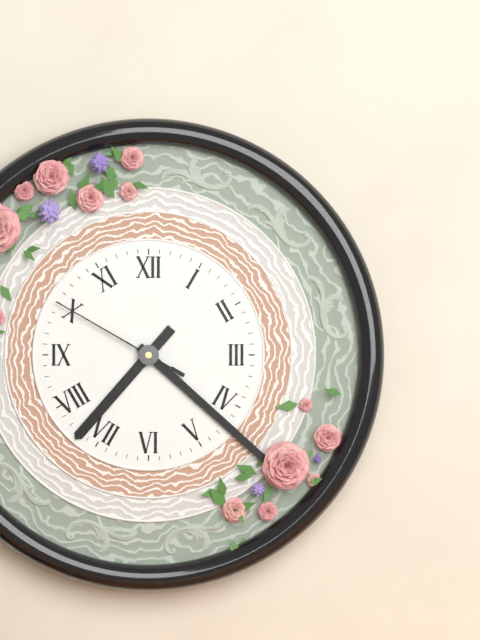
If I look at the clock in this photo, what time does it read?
7:22:50
